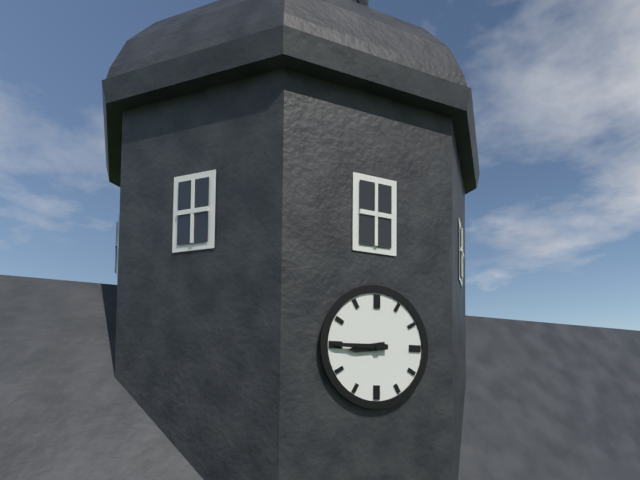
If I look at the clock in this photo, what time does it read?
8:45
